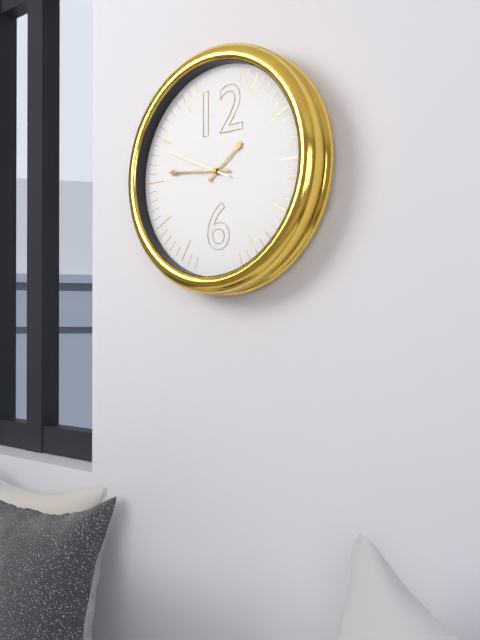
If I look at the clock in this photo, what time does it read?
1:46:49
